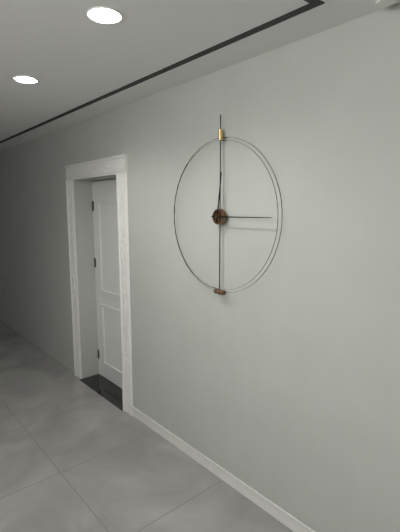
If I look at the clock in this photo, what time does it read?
12:15
